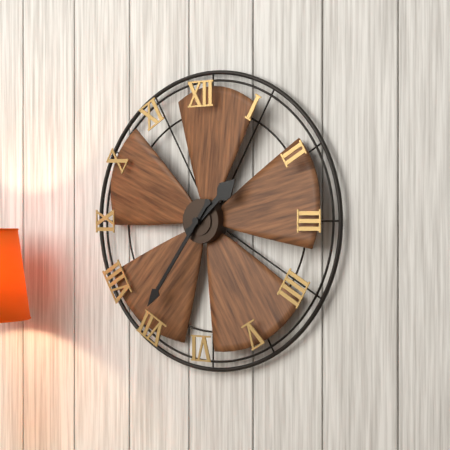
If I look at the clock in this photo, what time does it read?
1:36
